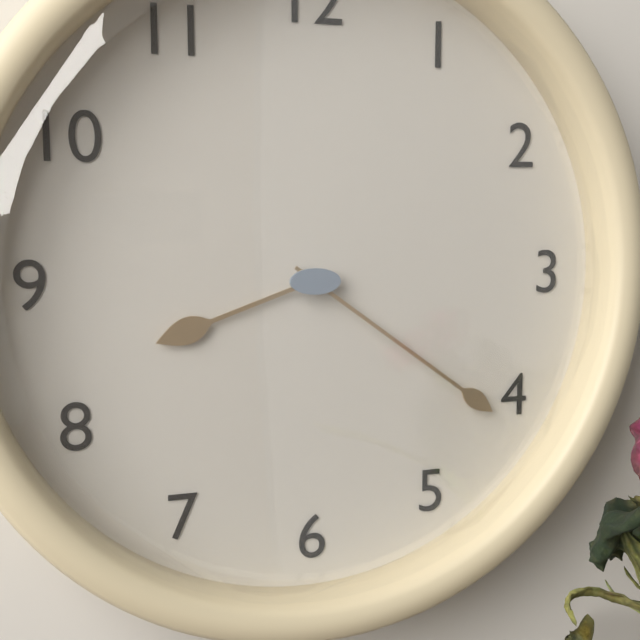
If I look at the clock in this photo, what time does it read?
8:21
